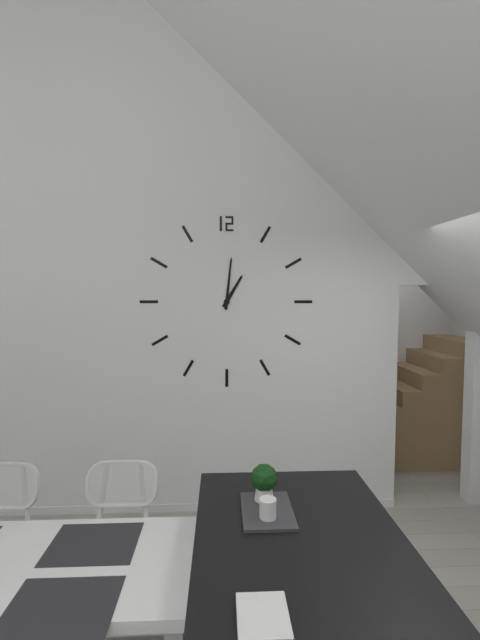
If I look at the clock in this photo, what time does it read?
1:01
